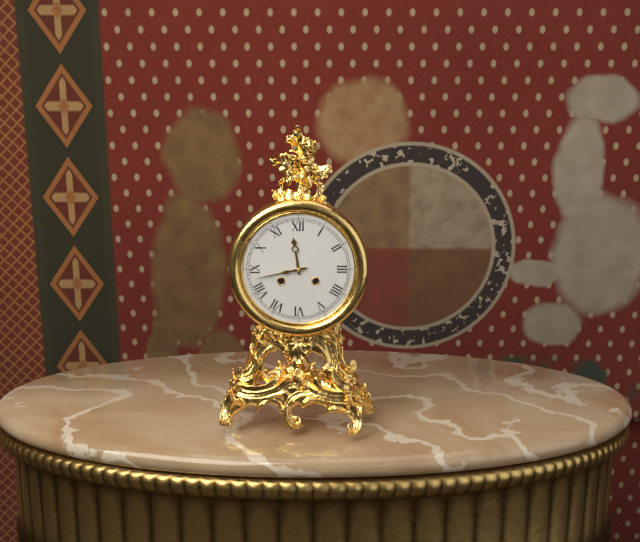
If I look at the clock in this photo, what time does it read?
11:43
